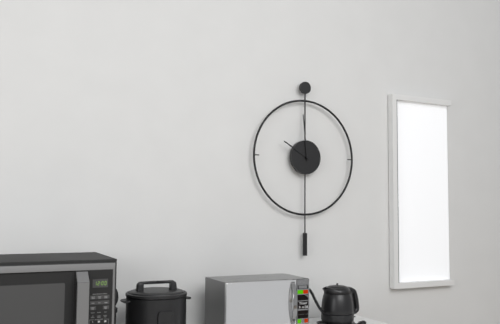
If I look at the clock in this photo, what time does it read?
9:59
